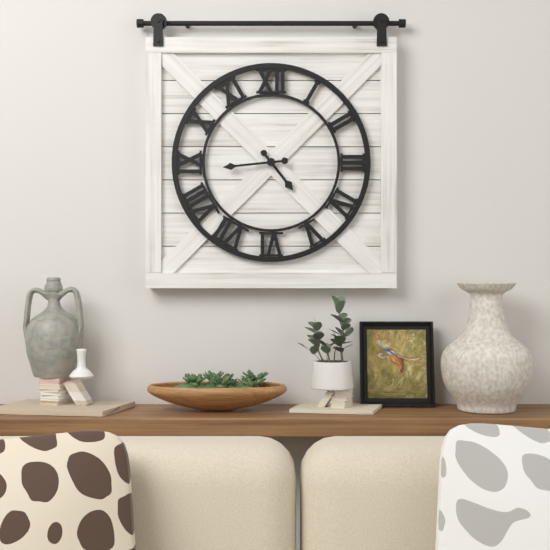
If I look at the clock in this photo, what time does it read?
4:44
